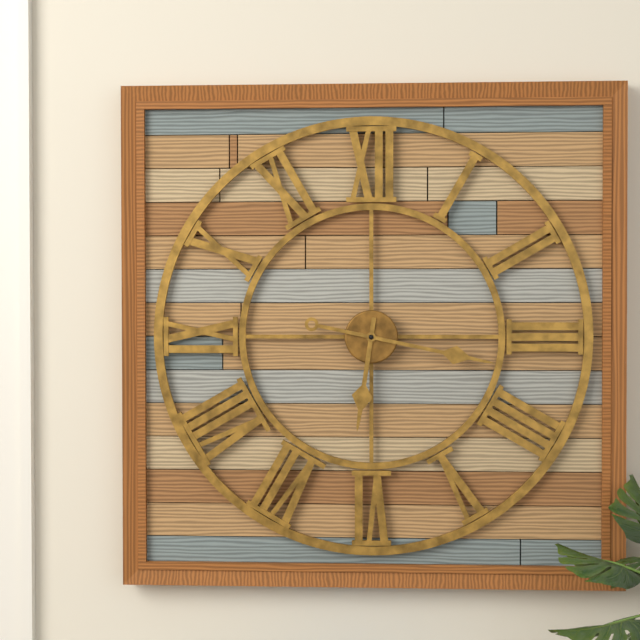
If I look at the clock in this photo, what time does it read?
6:17
